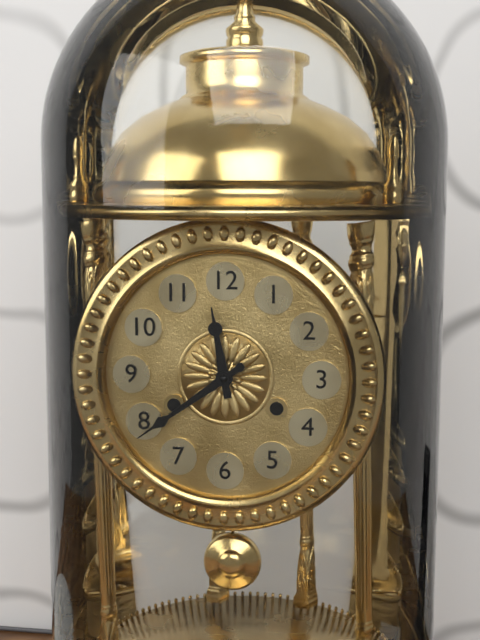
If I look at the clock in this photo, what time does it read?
11:39
